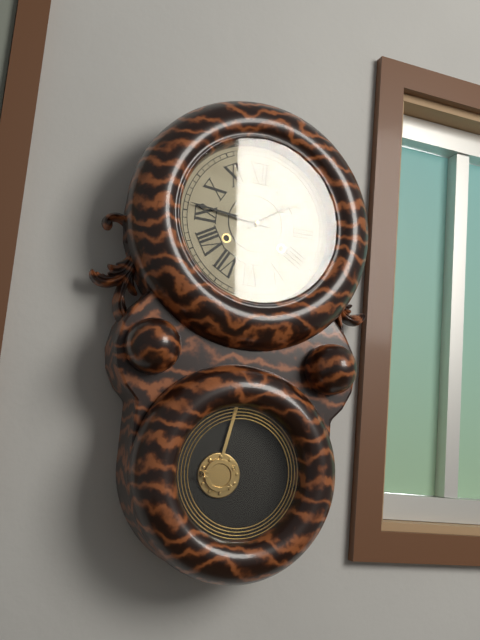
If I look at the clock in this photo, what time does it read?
1:46
